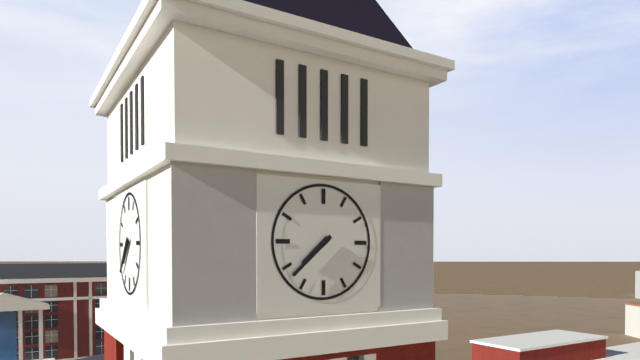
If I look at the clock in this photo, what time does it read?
7:38
